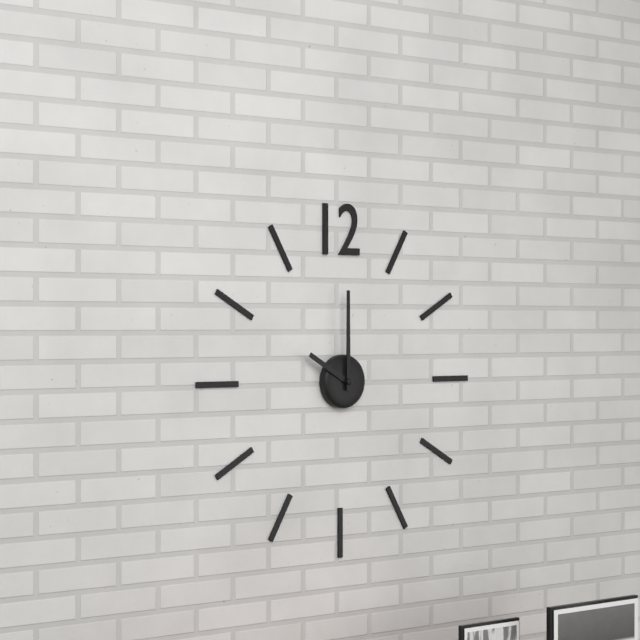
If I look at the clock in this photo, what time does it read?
10:00
